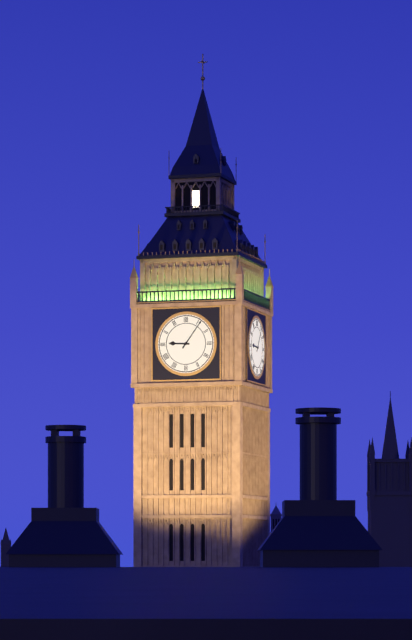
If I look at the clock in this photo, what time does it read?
9:06
